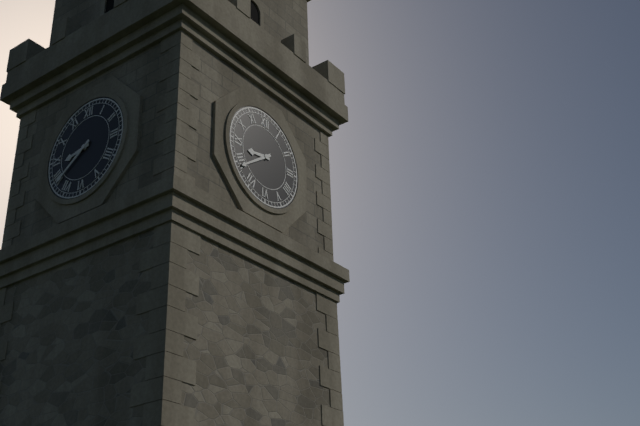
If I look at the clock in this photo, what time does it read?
8:39
